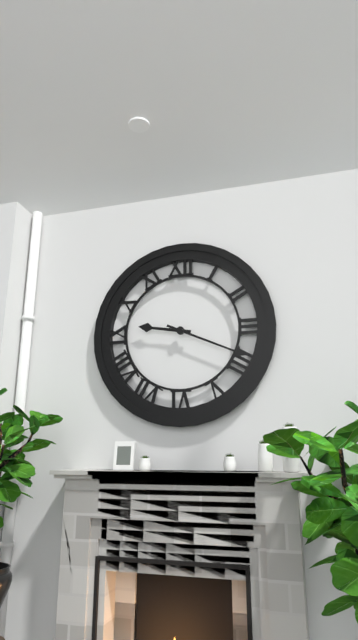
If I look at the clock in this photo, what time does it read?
9:19
